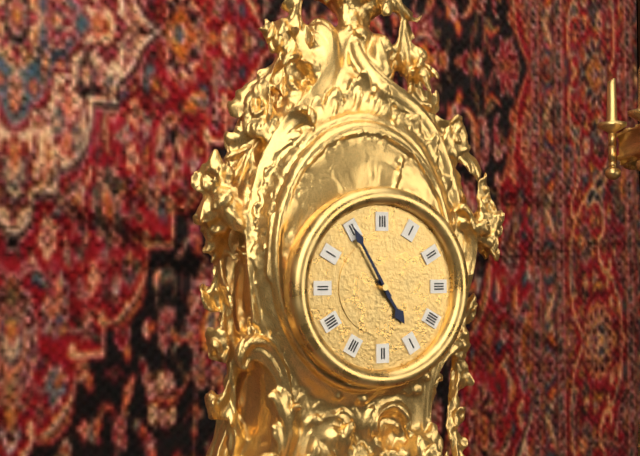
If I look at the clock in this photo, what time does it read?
4:55
